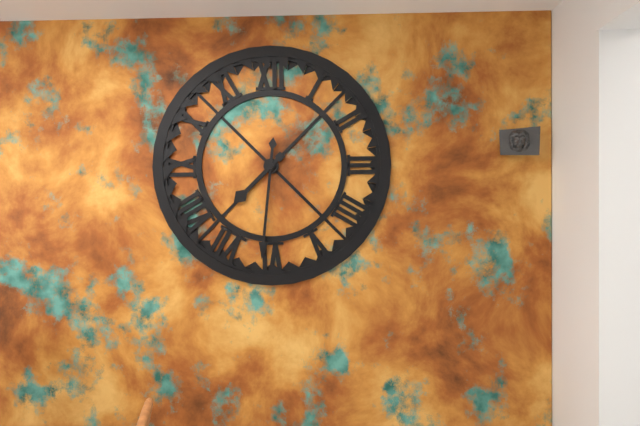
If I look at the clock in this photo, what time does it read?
7:31
